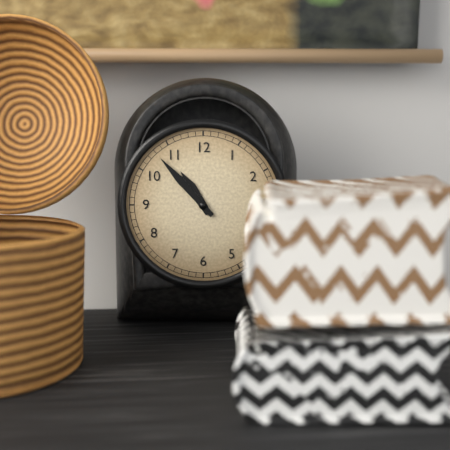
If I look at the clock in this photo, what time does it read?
10:53
